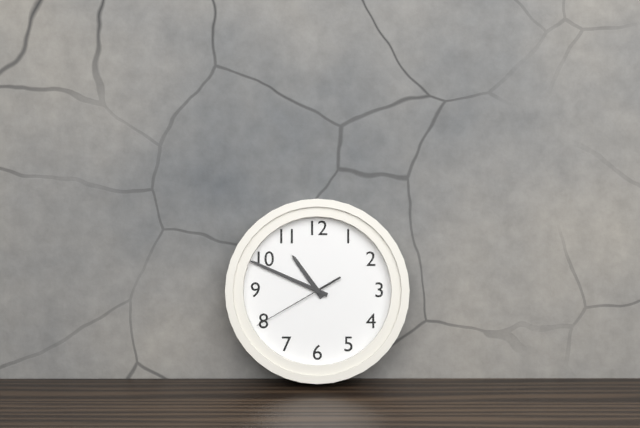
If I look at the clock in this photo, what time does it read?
10:49:40
